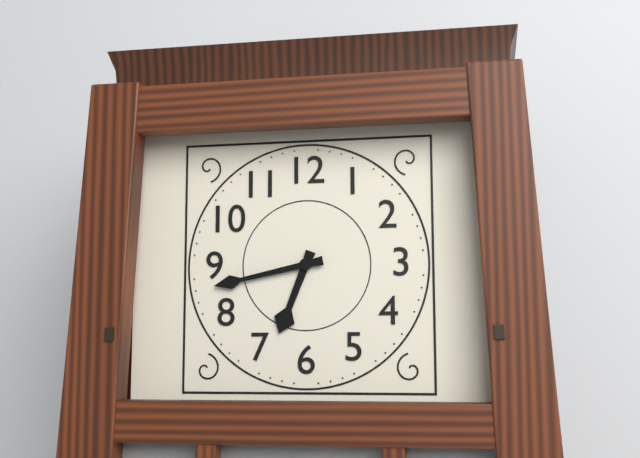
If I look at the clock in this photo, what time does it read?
6:43
